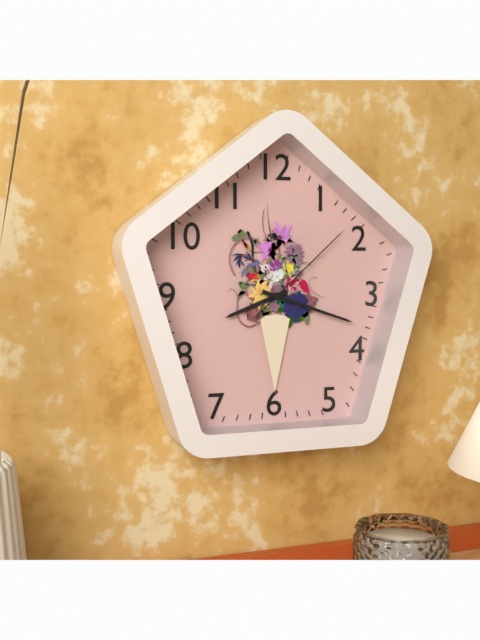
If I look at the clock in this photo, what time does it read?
8:18:08
